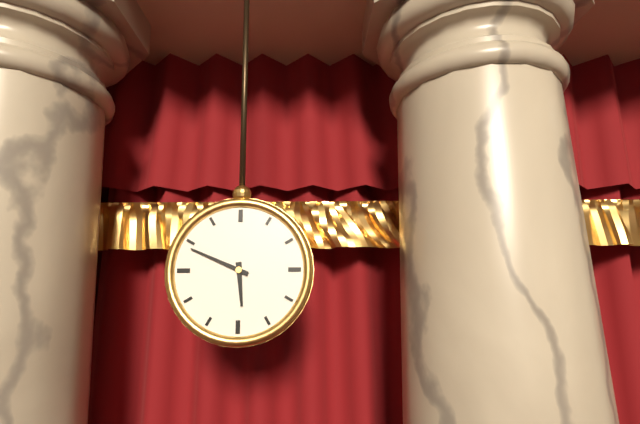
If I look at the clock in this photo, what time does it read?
5:49
